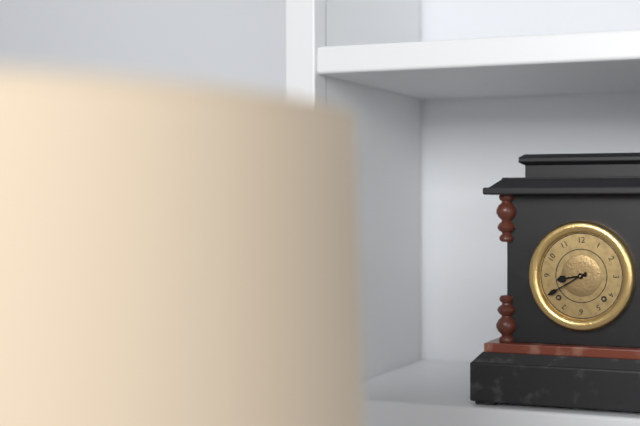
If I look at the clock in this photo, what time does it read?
8:40
